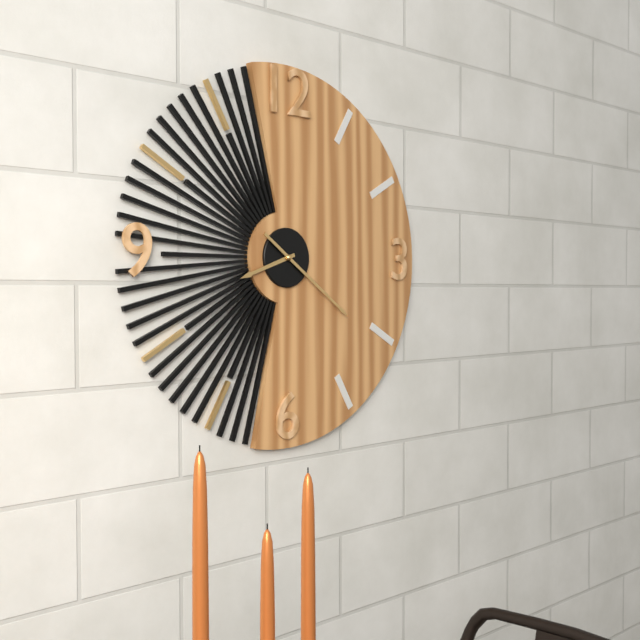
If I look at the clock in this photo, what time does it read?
8:21
